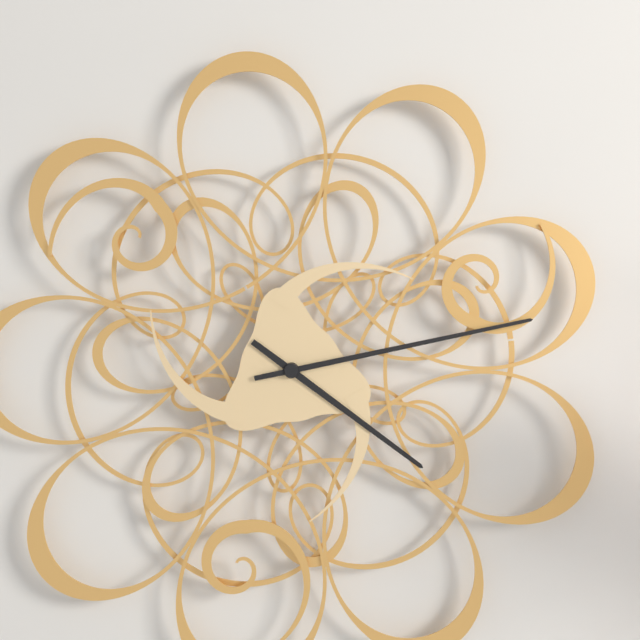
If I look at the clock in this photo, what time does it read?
4:13
